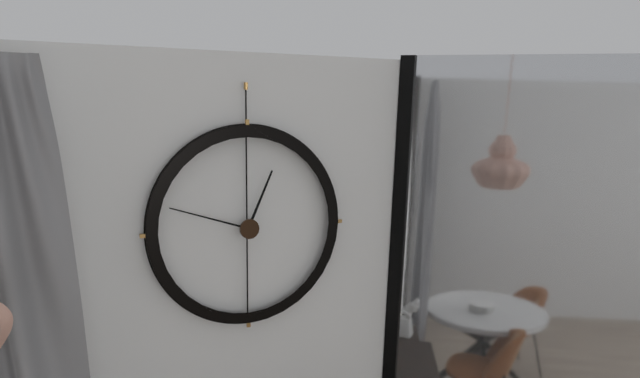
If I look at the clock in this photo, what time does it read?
12:48
